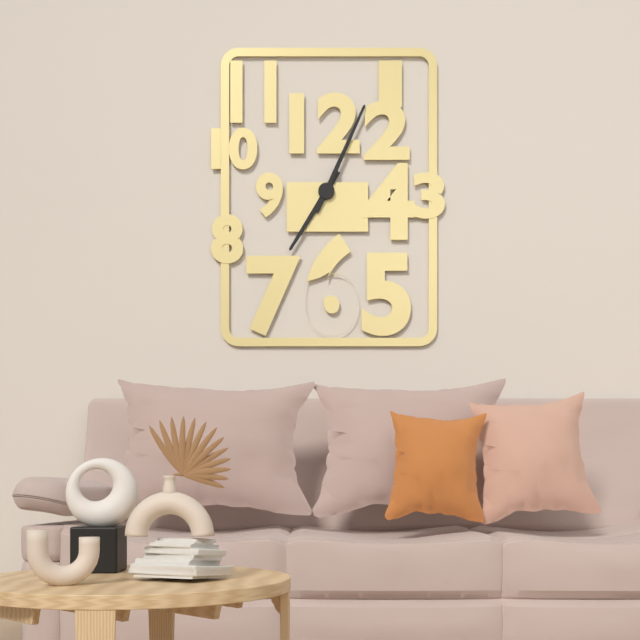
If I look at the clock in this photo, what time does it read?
7:04
